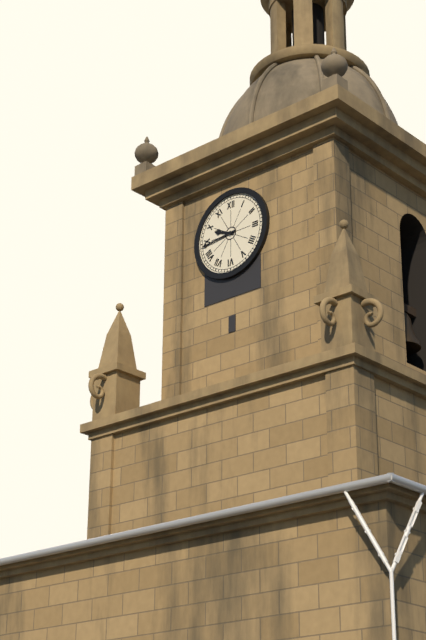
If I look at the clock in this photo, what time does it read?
9:44
